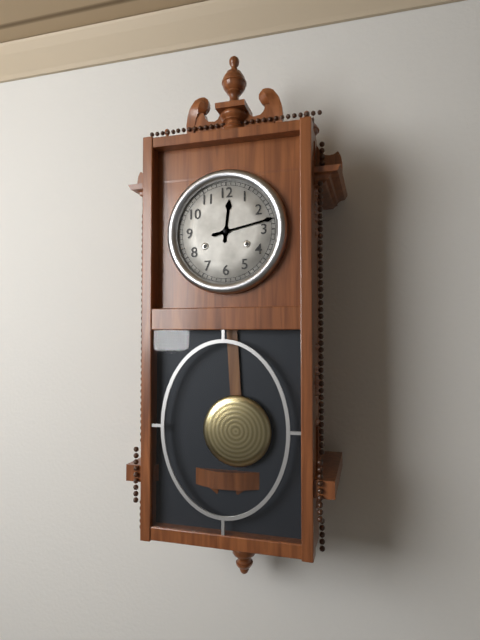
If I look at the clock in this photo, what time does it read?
12:13
